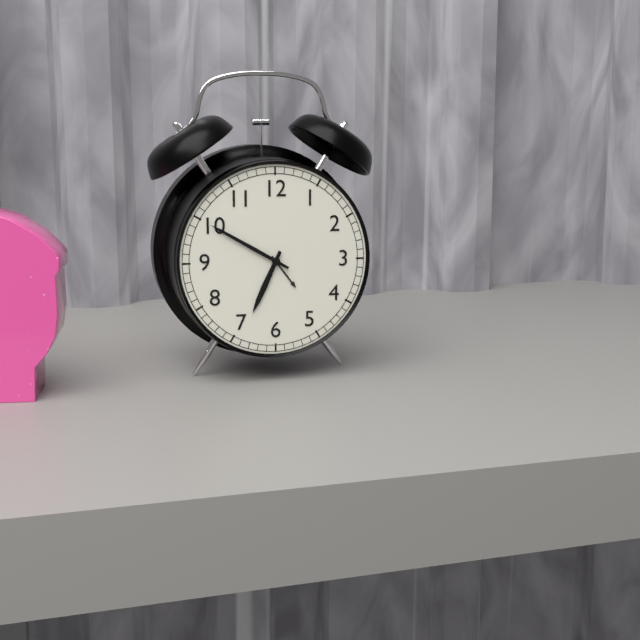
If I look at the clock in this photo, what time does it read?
6:50
